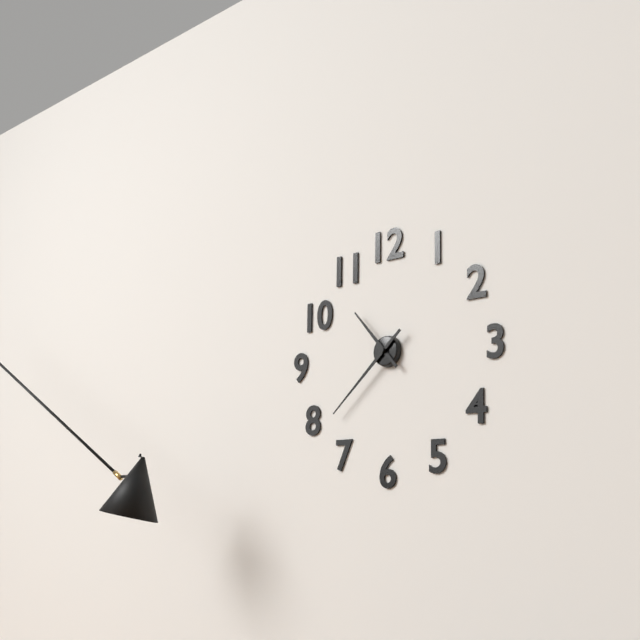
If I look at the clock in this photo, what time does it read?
10:38
